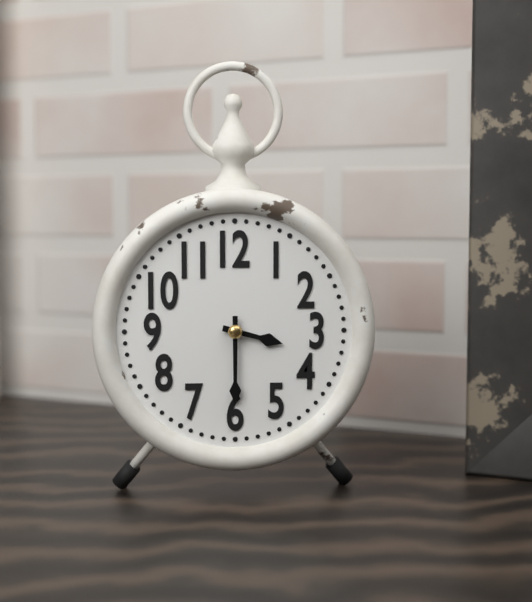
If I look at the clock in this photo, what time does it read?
3:30
